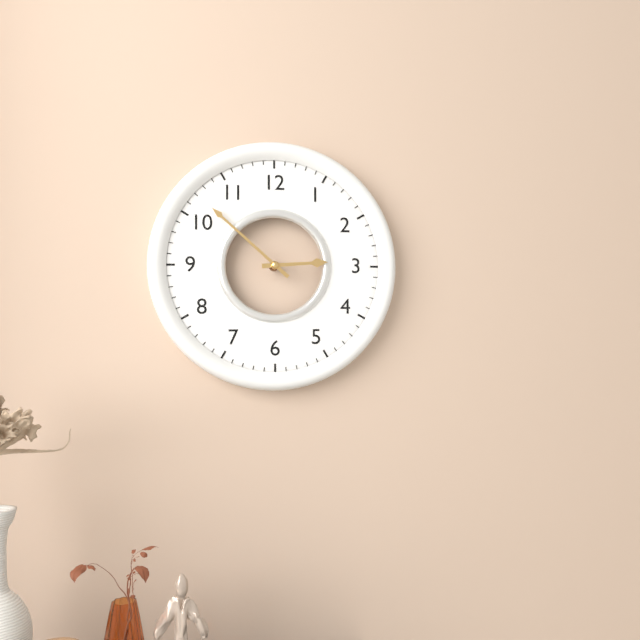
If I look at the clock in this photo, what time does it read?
2:52
